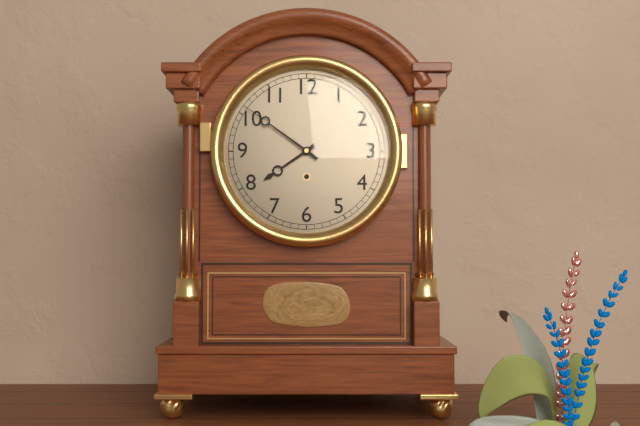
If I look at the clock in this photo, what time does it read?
7:51
